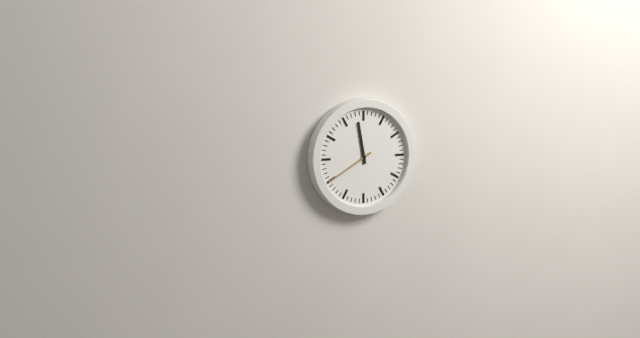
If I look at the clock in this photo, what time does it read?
11:40
